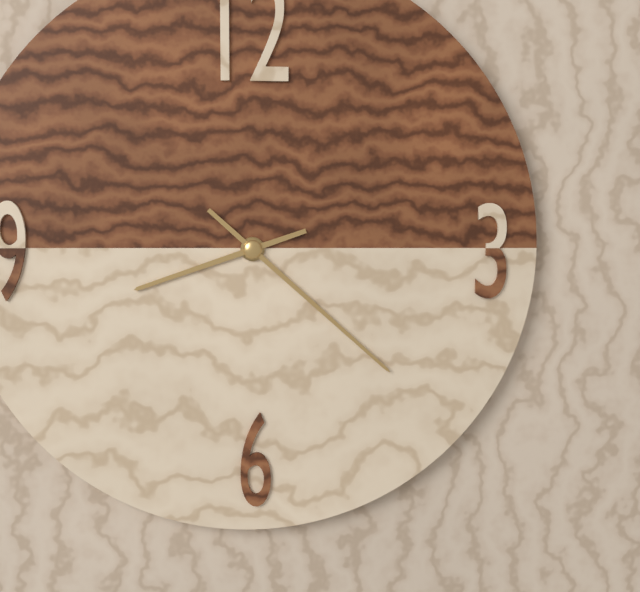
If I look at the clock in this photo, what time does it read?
8:22
